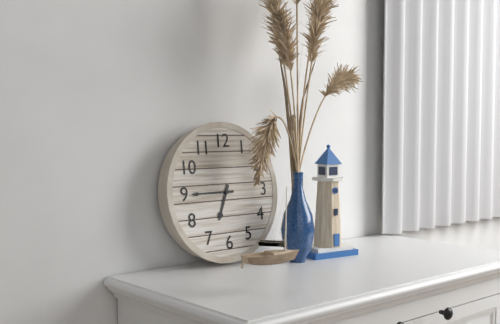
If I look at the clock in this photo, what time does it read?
6:45
